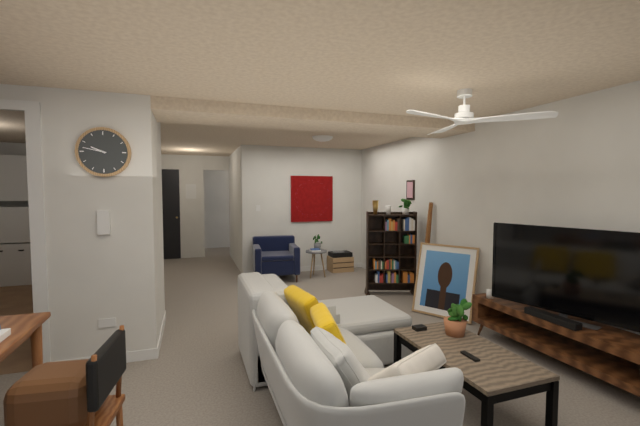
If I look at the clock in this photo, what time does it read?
9:47
